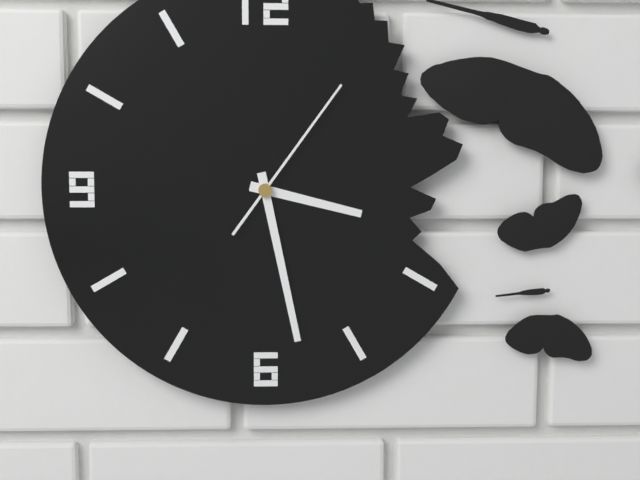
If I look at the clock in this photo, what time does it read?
3:28:06
